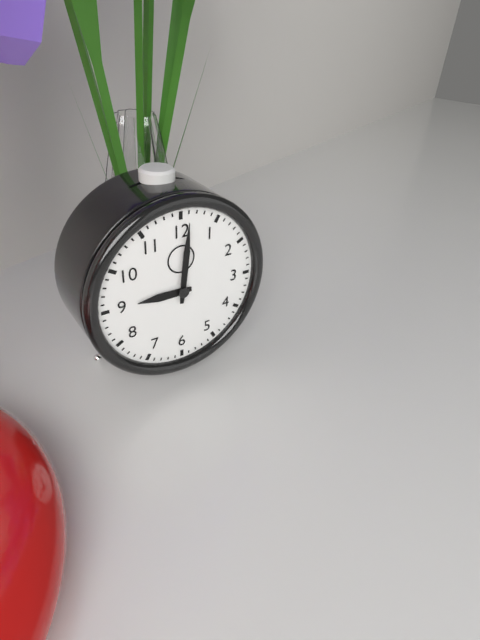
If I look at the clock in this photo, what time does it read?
9:01
